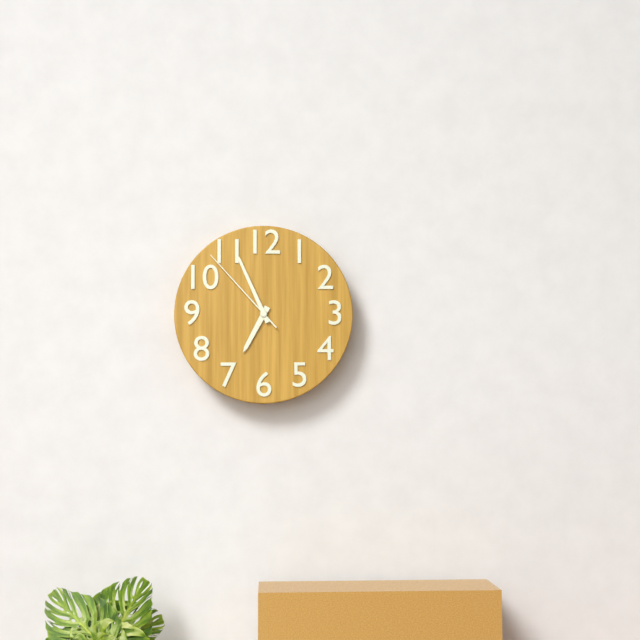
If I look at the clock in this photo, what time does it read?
6:56:53
